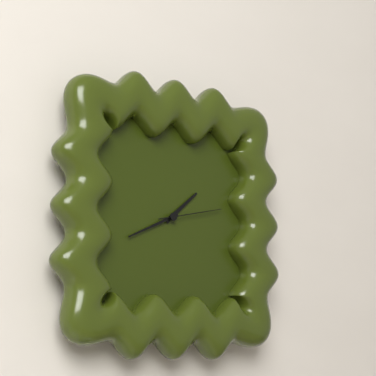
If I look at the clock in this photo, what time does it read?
1:41:13
